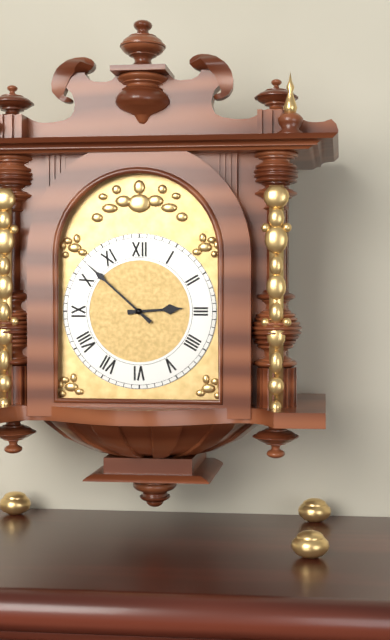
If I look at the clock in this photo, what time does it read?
2:52
